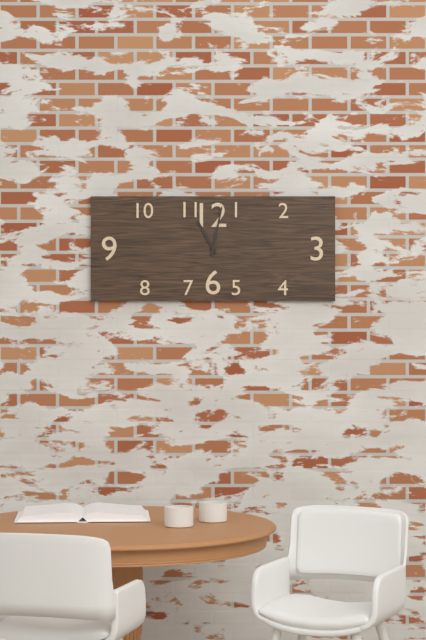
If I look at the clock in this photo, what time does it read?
11:02
